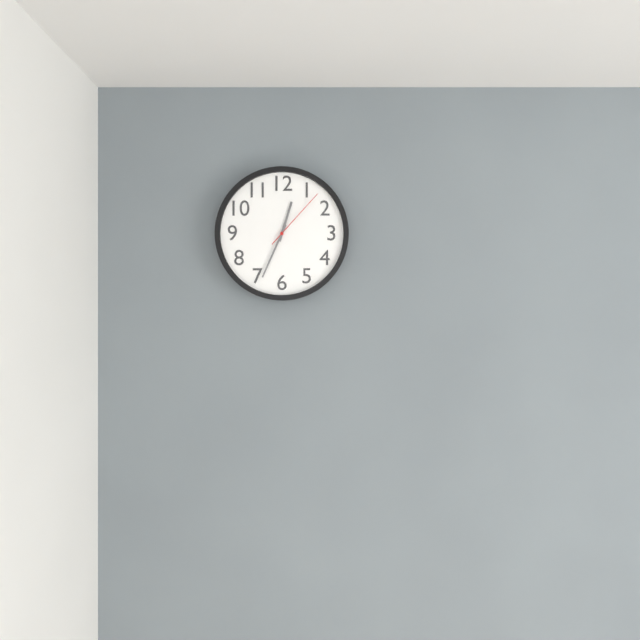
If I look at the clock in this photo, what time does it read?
12:34:07
